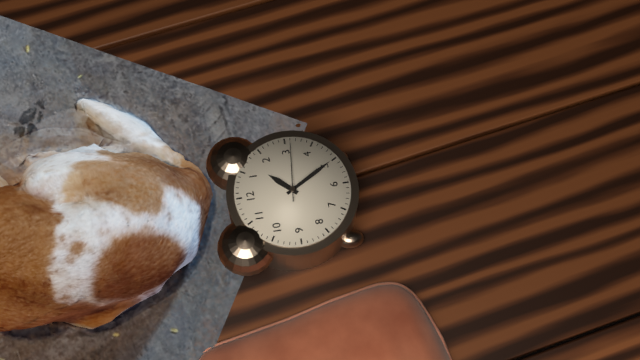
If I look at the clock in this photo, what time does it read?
1:25:16
